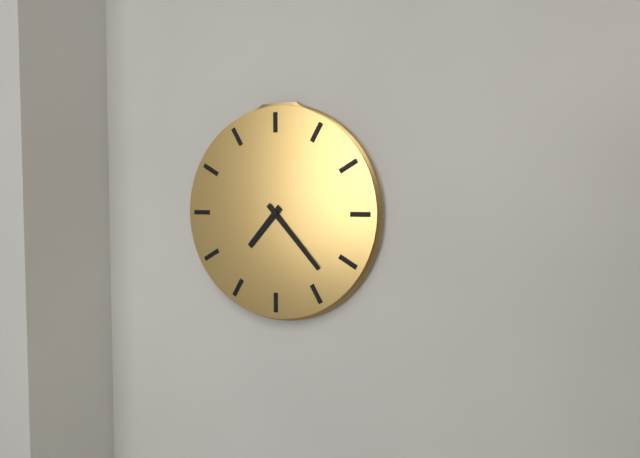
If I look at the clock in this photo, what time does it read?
7:23
